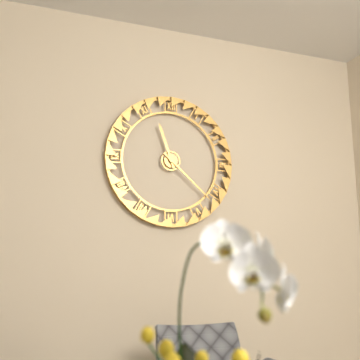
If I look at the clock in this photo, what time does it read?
11:22
